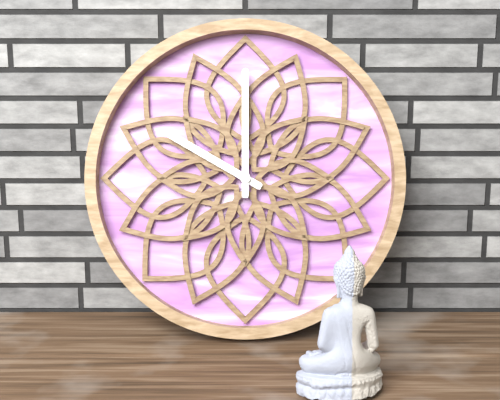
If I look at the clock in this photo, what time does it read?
10:00
